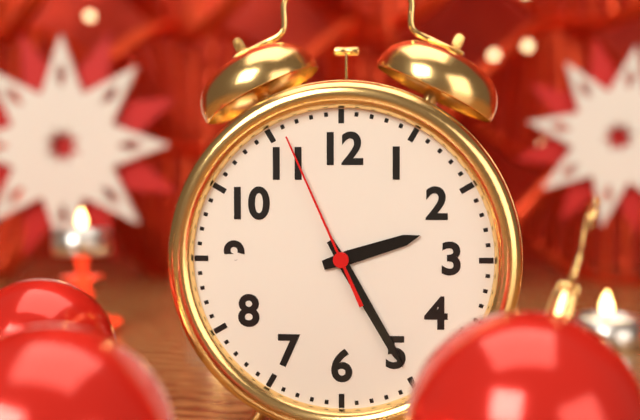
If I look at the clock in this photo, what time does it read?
2:25:56
